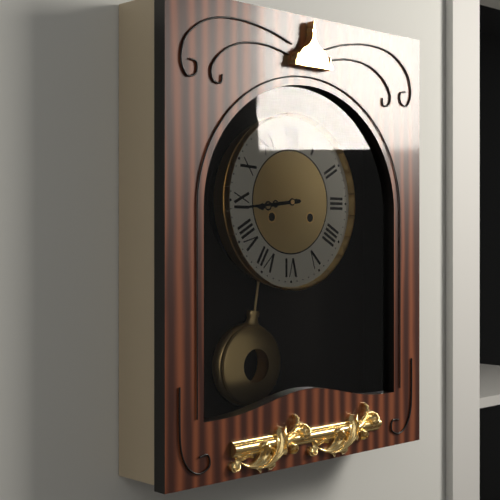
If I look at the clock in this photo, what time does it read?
8:44
